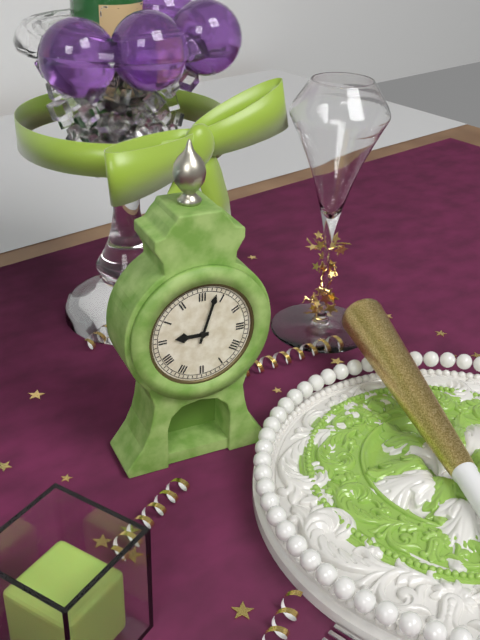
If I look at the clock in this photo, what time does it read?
9:03
